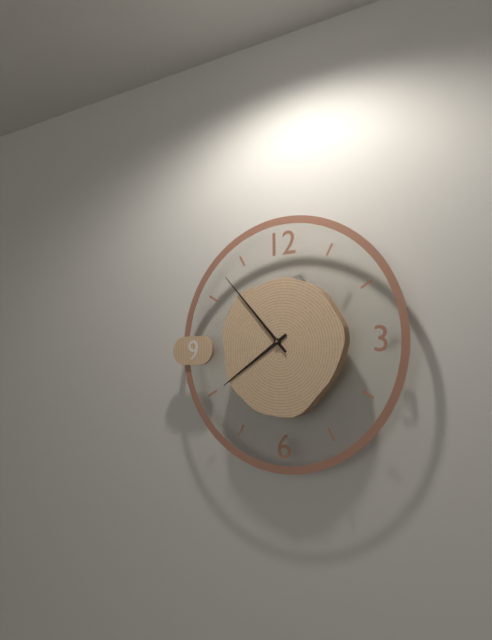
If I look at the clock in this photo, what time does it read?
7:53
